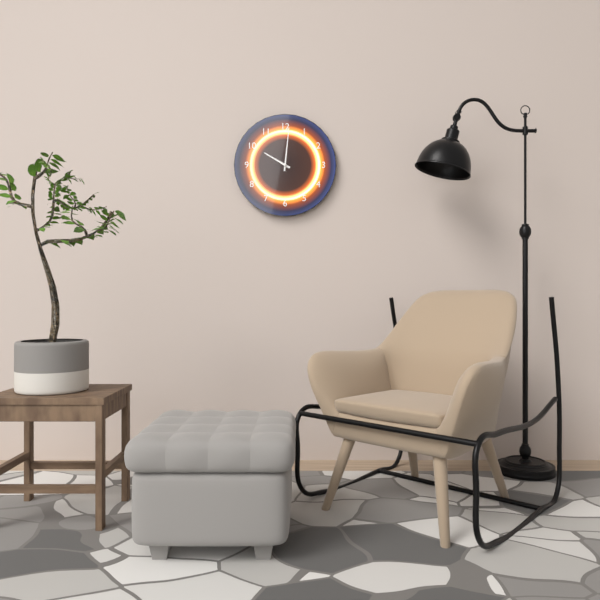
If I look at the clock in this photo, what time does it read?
10:01
